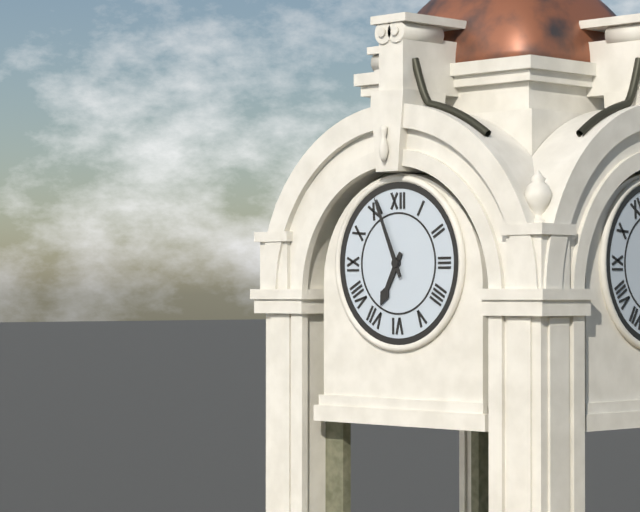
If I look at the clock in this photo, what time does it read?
6:56
